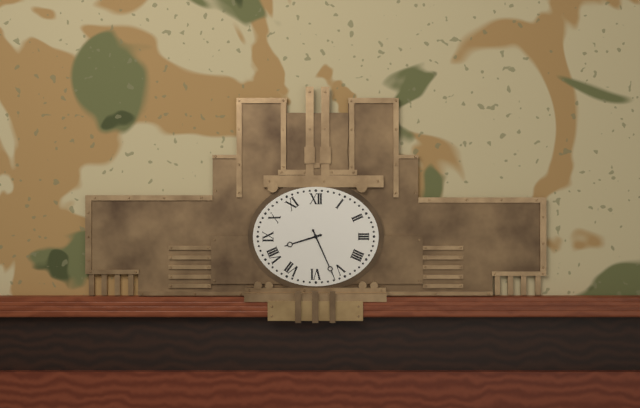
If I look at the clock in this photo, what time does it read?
8:26
